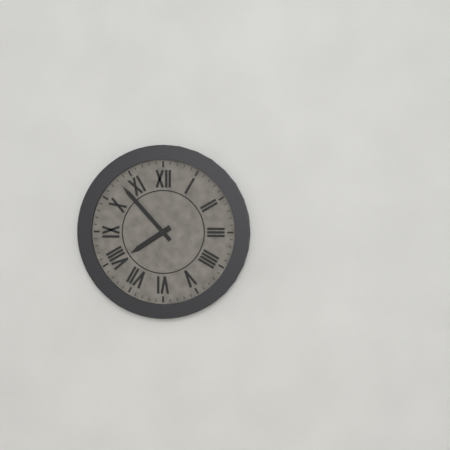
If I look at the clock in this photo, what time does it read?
7:53
